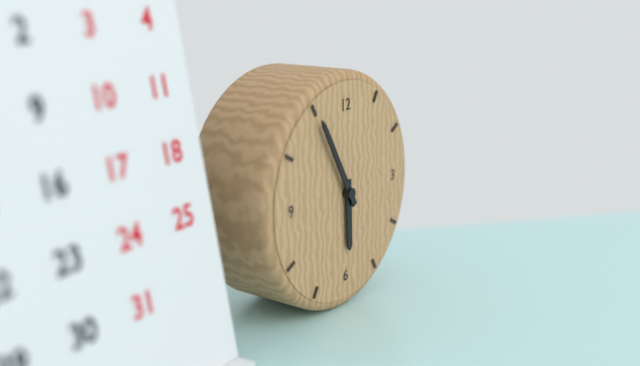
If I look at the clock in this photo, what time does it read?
5:55
